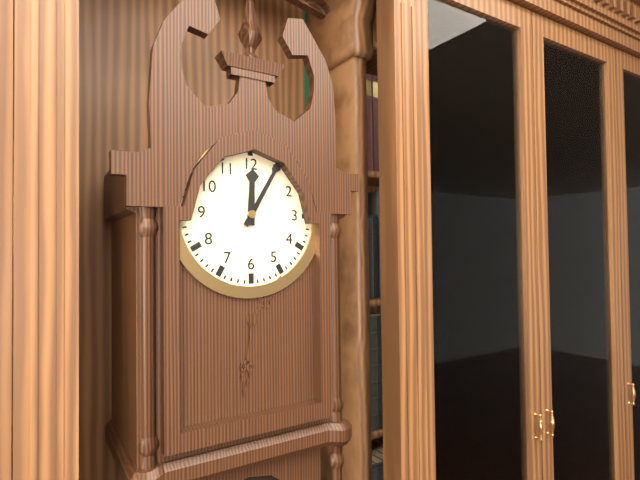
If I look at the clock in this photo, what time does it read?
12:05
